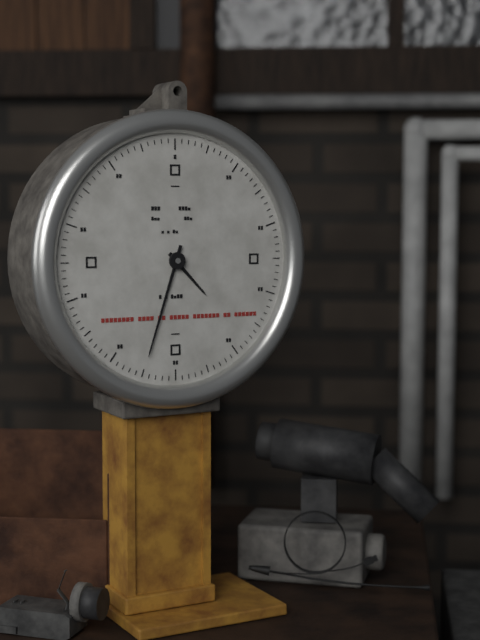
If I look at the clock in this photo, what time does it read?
4:33
